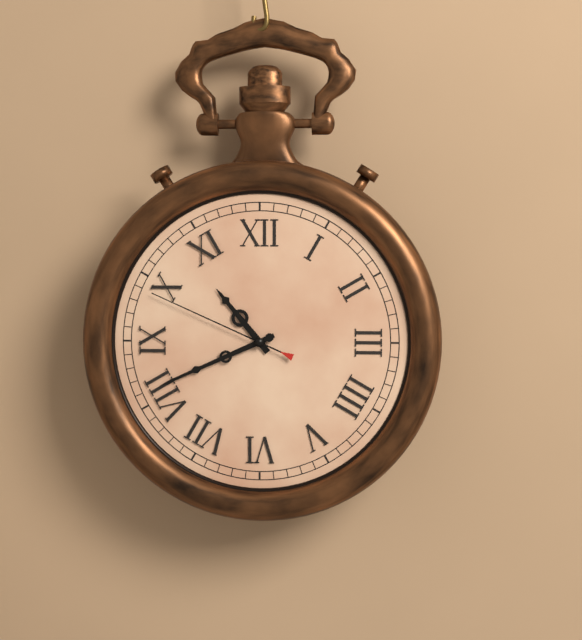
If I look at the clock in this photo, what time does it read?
10:41:49
